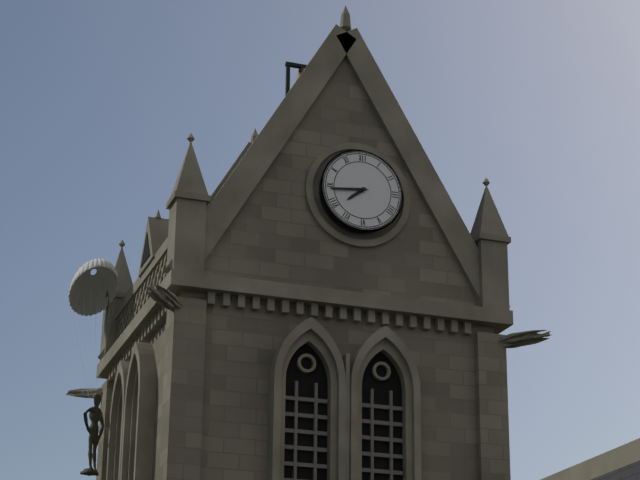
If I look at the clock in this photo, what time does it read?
7:44
